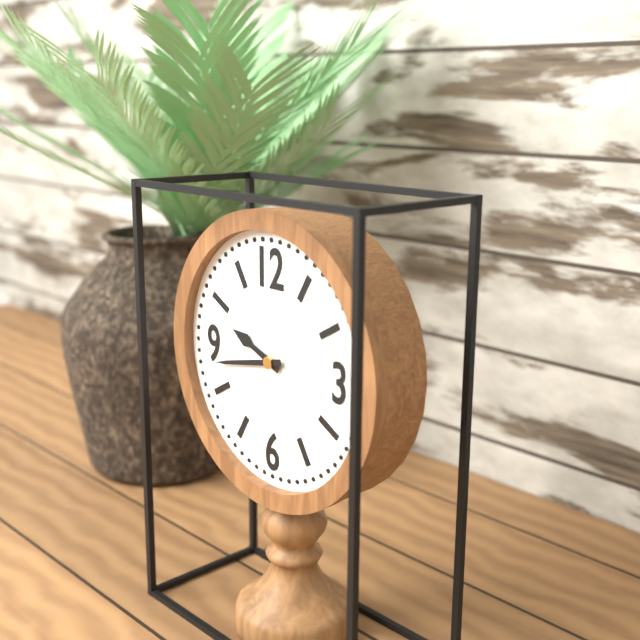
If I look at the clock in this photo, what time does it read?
9:43
